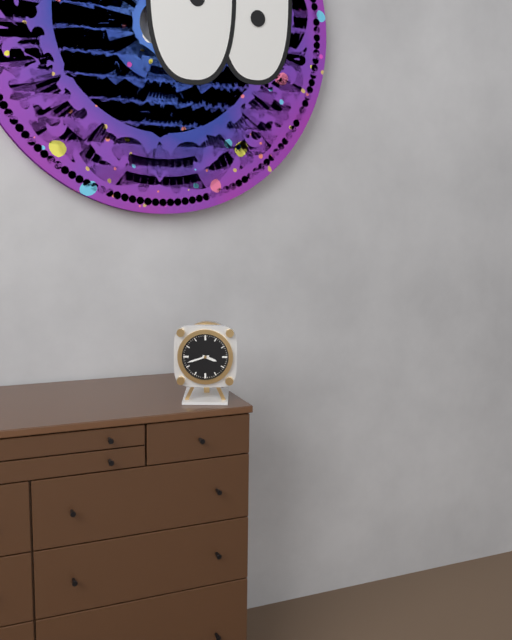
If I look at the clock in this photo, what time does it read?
3:42
